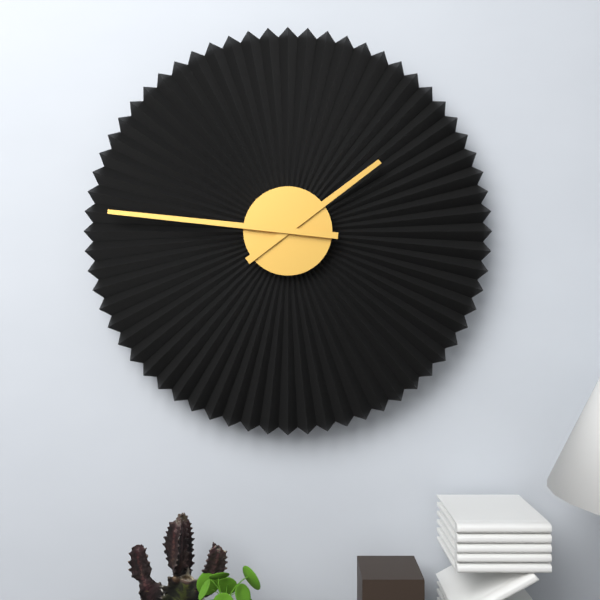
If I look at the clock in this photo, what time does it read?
1:46
